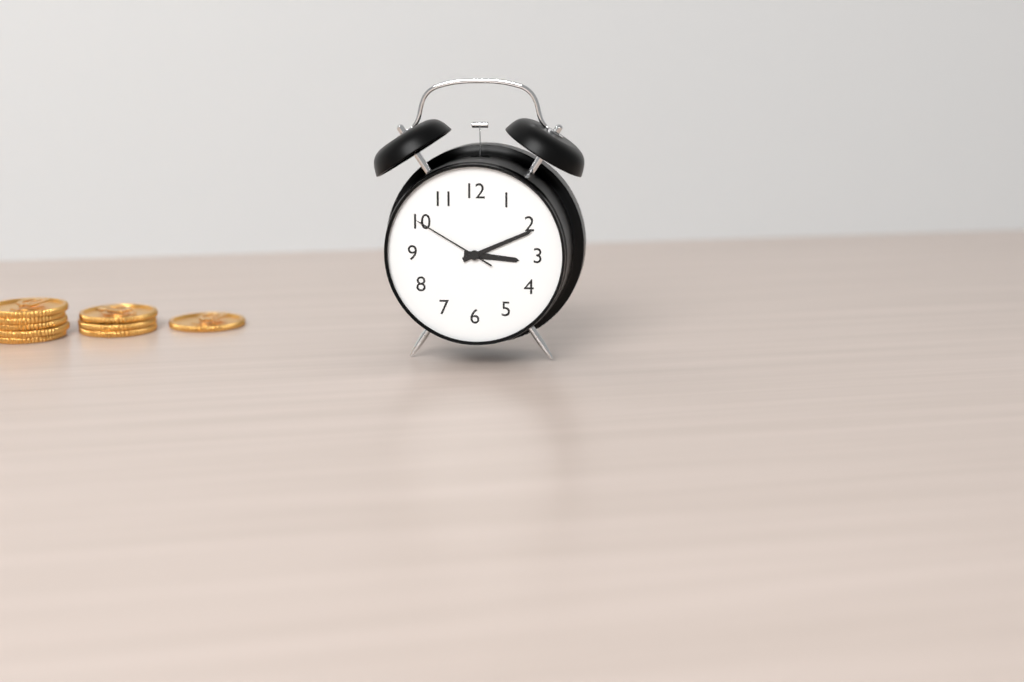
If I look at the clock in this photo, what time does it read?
3:11:50
